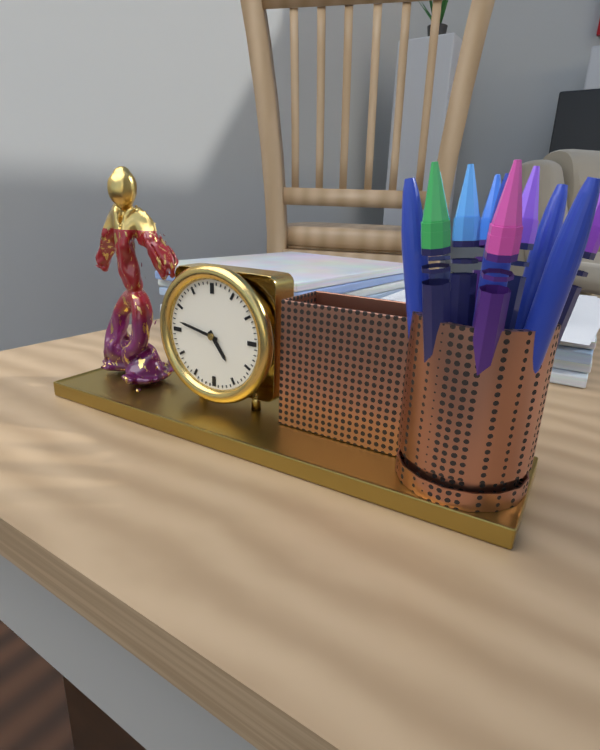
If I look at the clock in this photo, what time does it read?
4:47
